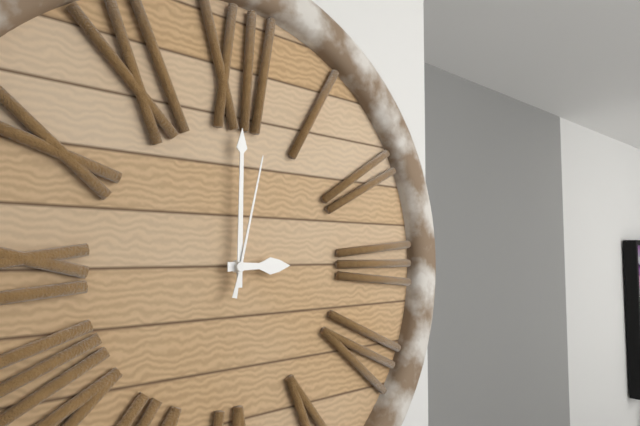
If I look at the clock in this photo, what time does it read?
3:00:02
